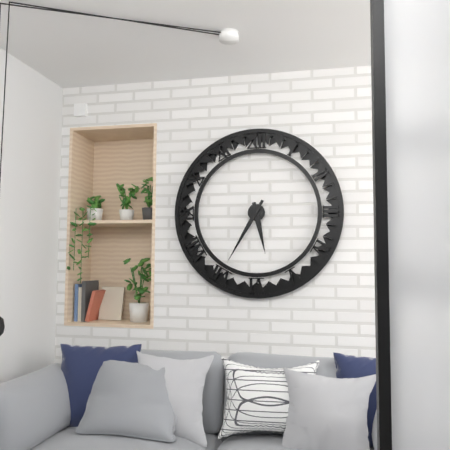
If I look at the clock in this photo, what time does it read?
5:35
